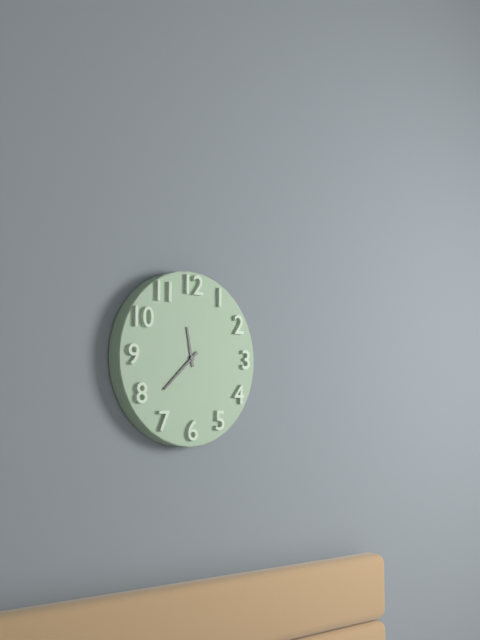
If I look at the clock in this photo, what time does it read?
11:38
